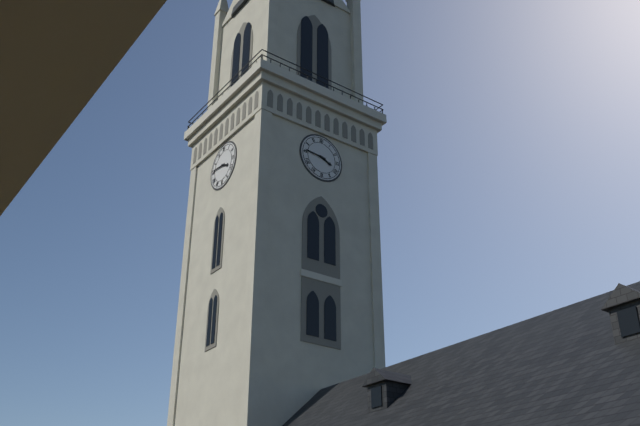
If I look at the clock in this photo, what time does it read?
3:46
